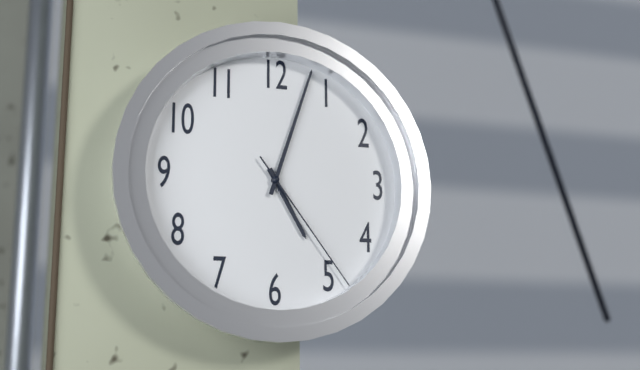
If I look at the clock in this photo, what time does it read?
5:03:24
